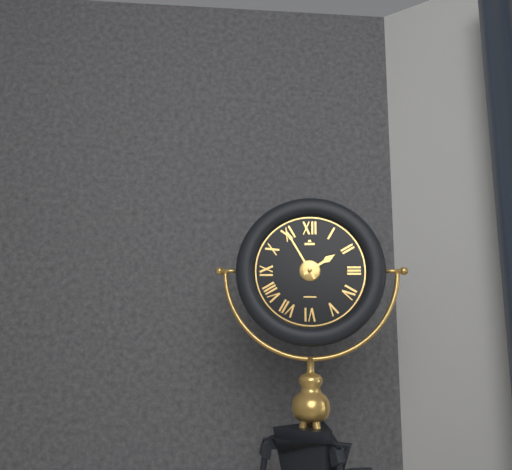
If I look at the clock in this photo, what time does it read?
1:55
